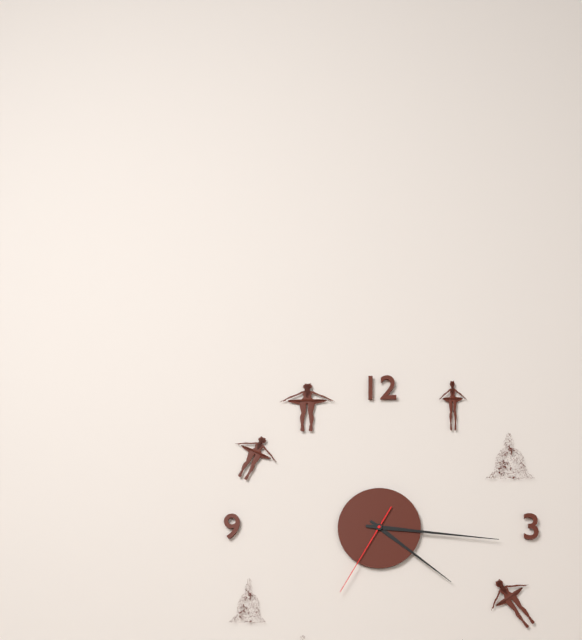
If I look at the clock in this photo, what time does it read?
4:16:35
